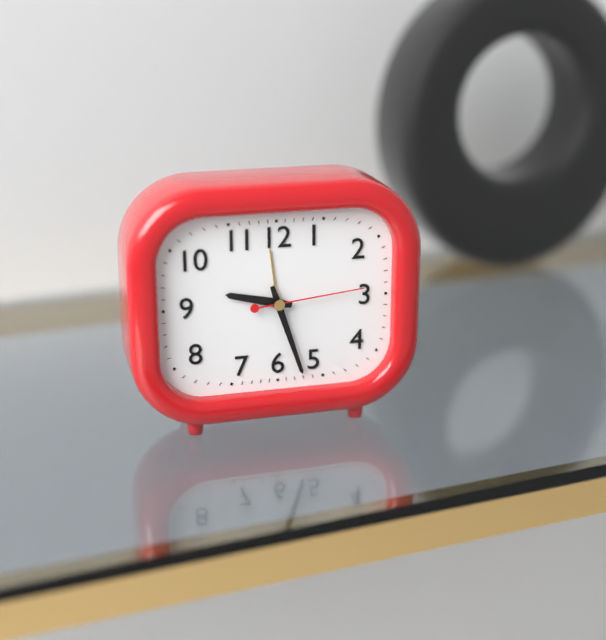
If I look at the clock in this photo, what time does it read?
9:27:14
